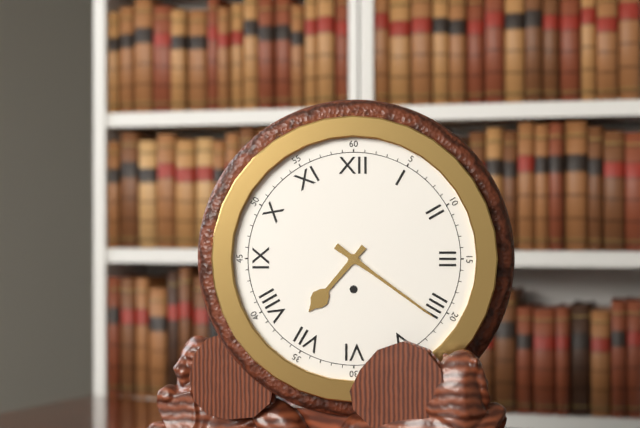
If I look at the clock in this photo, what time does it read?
7:21
